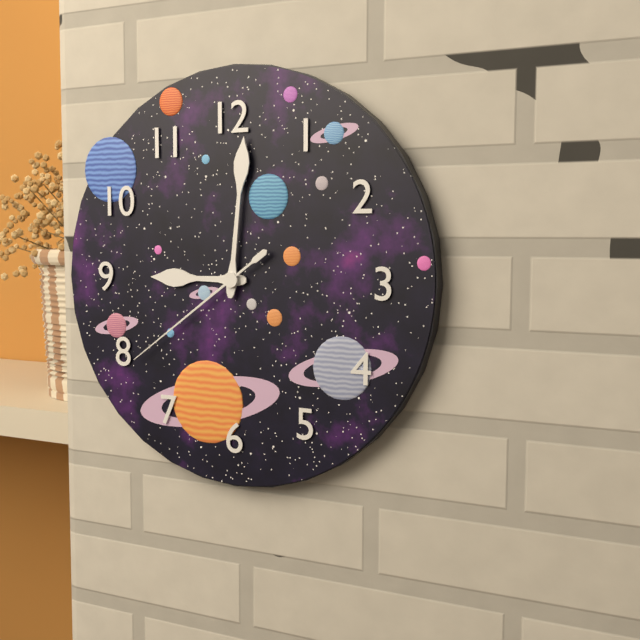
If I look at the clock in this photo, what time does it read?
9:01:39
